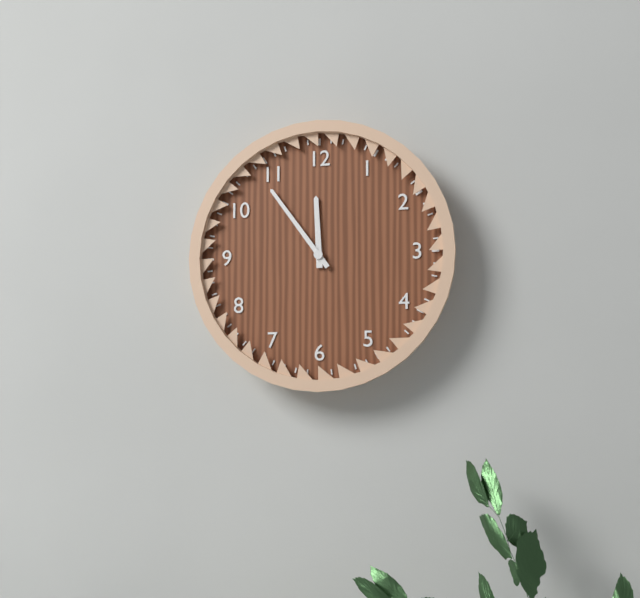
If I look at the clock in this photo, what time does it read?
11:54
